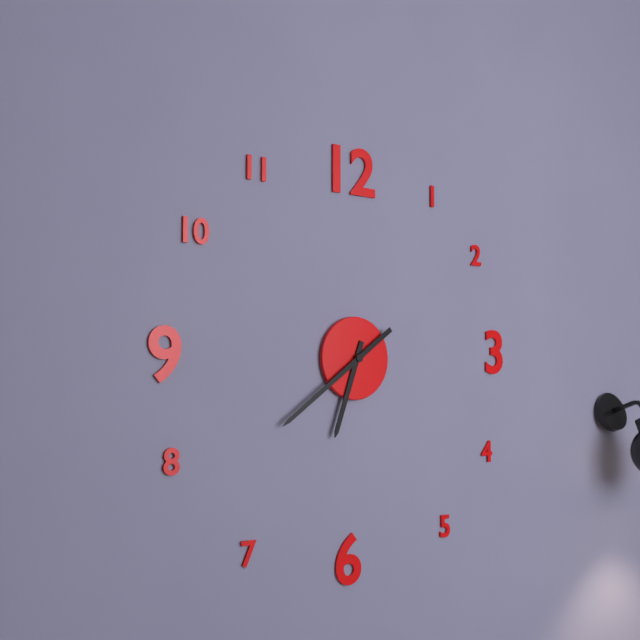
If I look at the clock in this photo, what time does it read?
6:39
